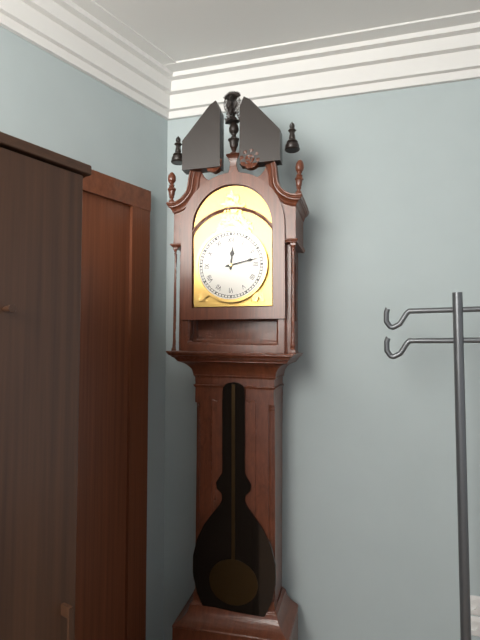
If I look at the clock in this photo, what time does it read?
12:13
